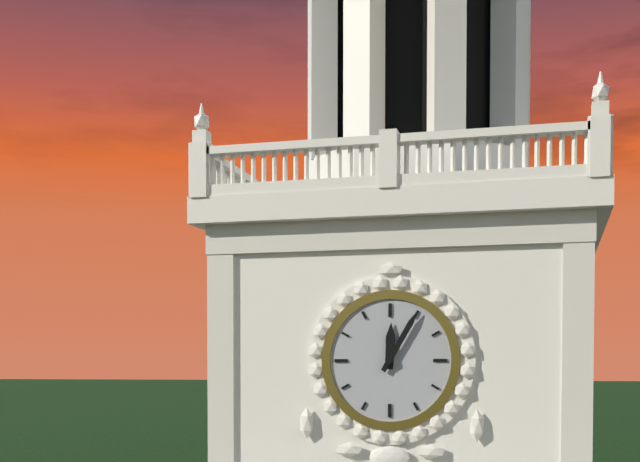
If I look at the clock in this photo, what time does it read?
12:05
